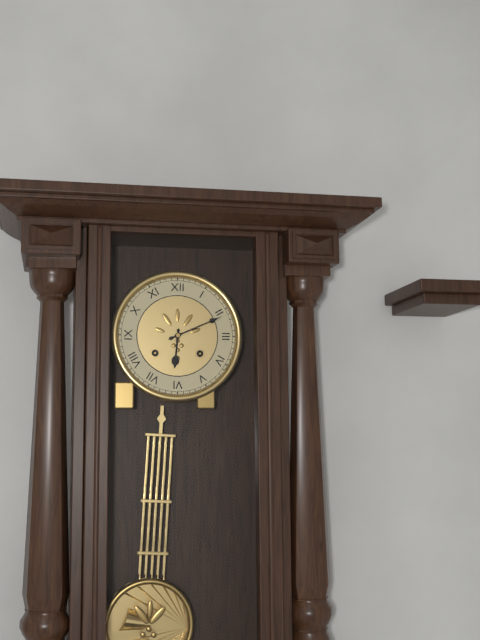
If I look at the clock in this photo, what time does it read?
6:11
